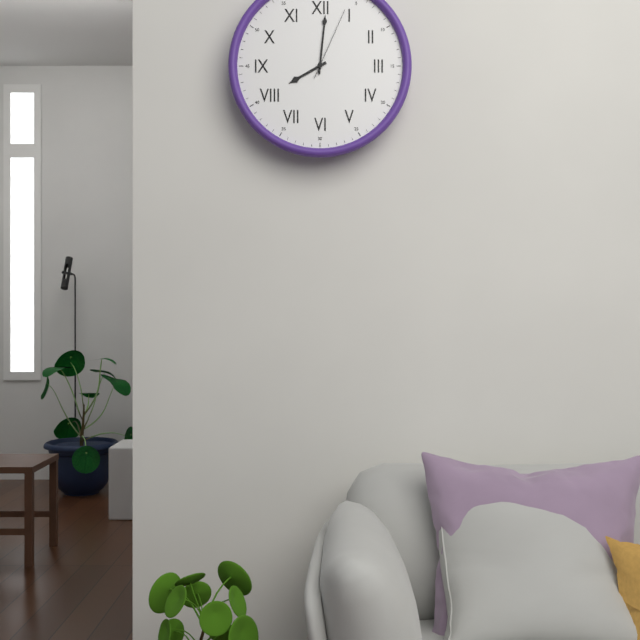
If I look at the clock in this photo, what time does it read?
8:01:04
